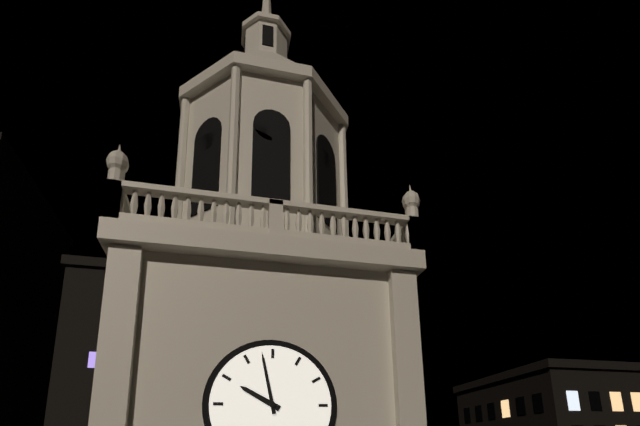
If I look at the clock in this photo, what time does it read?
9:58
